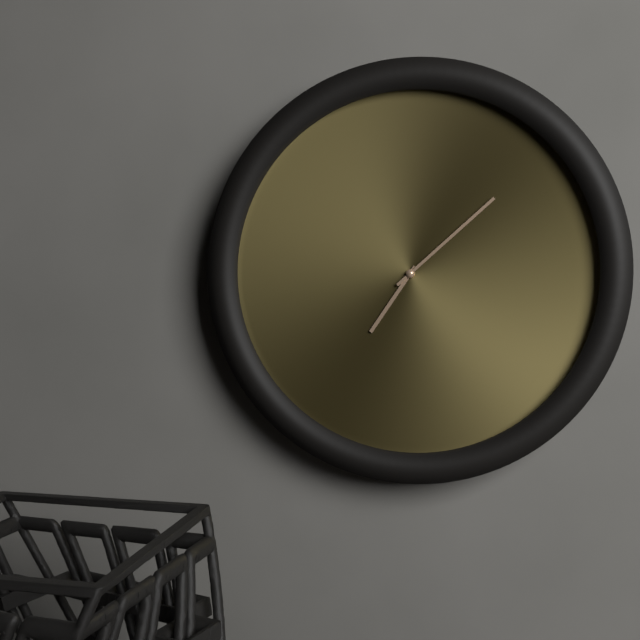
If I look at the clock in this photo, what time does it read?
7:08
